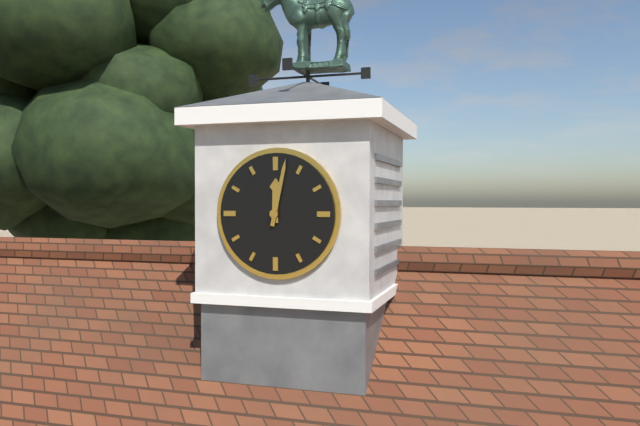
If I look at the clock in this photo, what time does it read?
12:02
